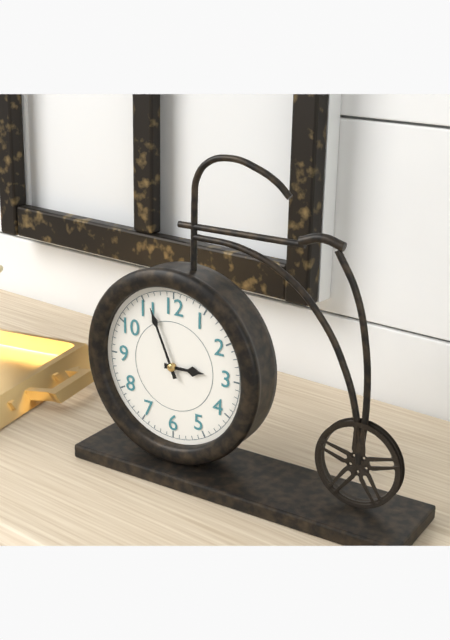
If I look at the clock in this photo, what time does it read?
2:56
